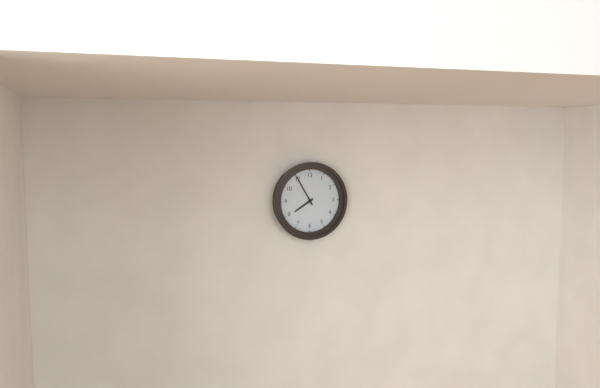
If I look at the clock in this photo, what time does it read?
7:55
